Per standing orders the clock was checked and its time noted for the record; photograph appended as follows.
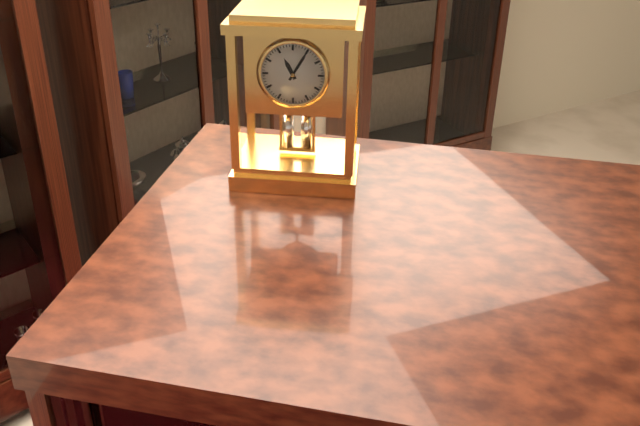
11:05
